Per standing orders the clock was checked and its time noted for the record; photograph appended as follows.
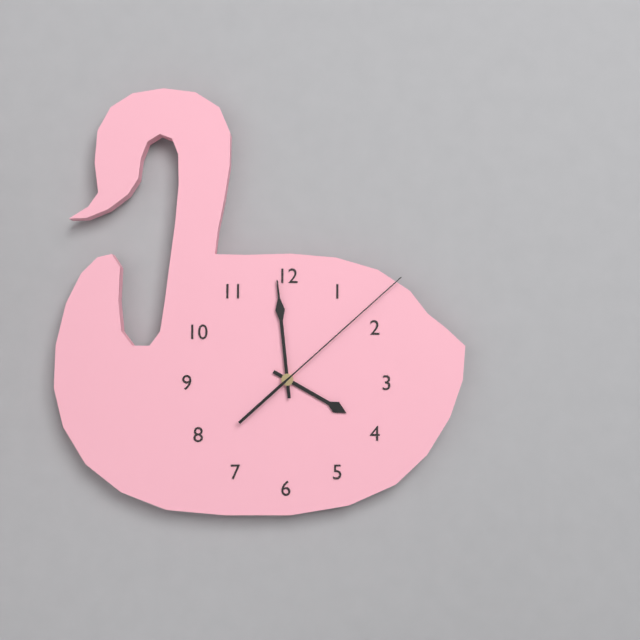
3:59:08
